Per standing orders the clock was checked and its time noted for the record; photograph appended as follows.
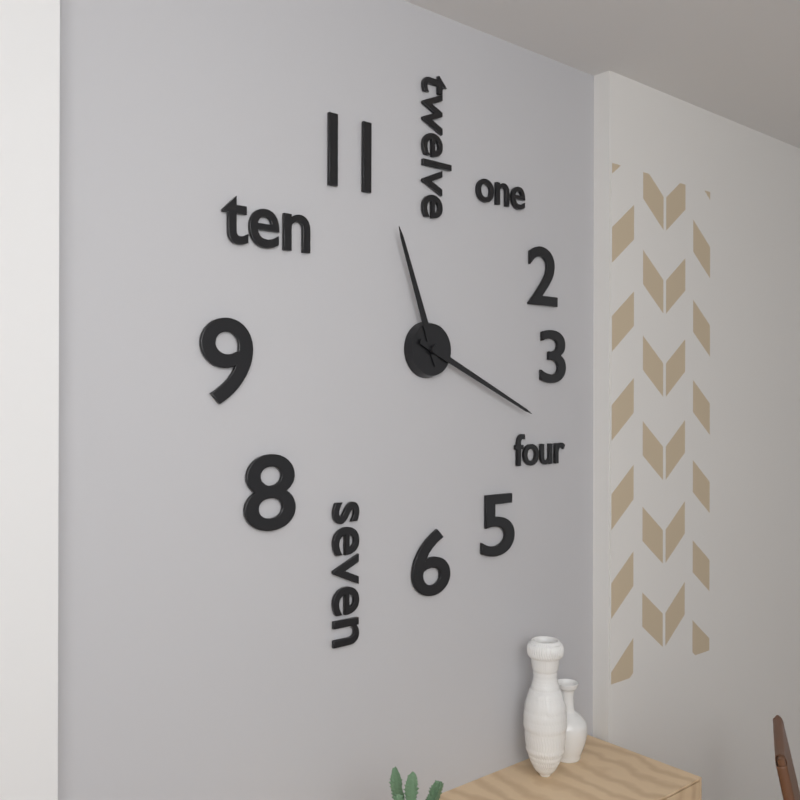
11:19
